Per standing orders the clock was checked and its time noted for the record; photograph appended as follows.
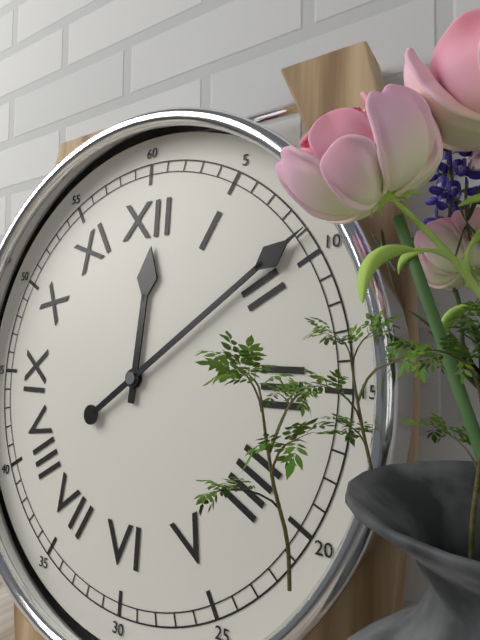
12:09
